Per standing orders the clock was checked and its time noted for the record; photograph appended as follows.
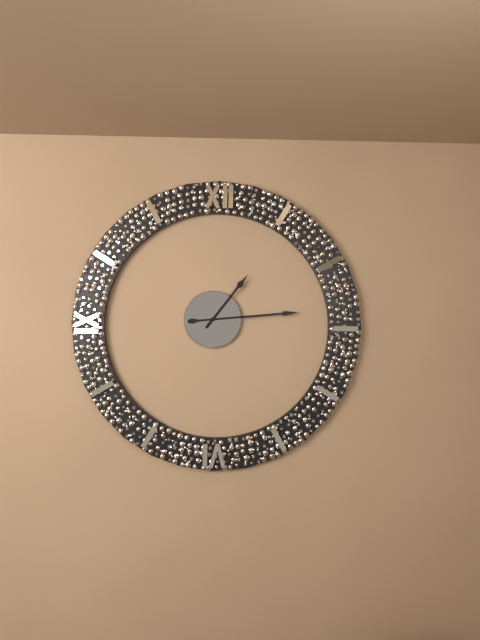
1:14
